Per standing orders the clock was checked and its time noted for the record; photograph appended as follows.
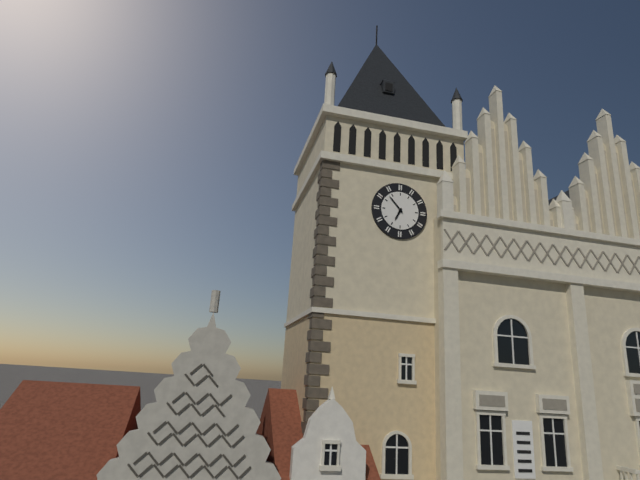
6:53
